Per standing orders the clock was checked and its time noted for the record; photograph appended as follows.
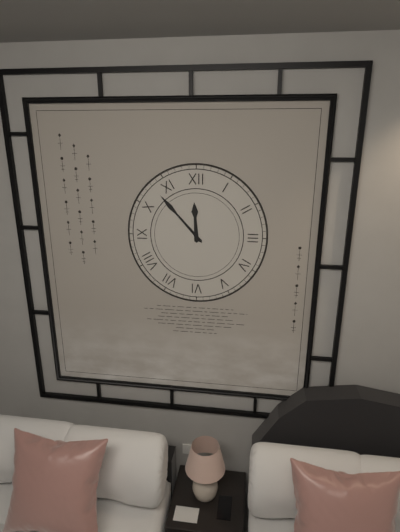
11:53
